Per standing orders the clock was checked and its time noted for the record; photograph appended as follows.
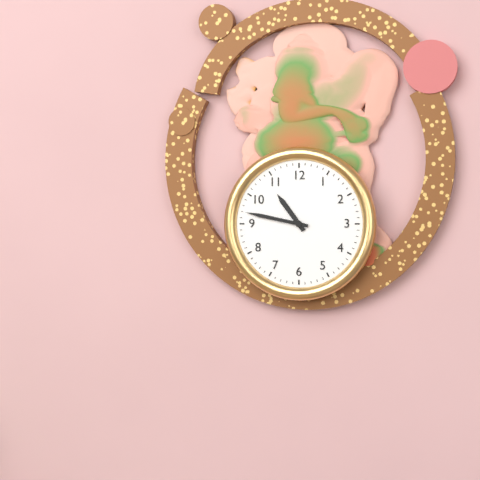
10:47
